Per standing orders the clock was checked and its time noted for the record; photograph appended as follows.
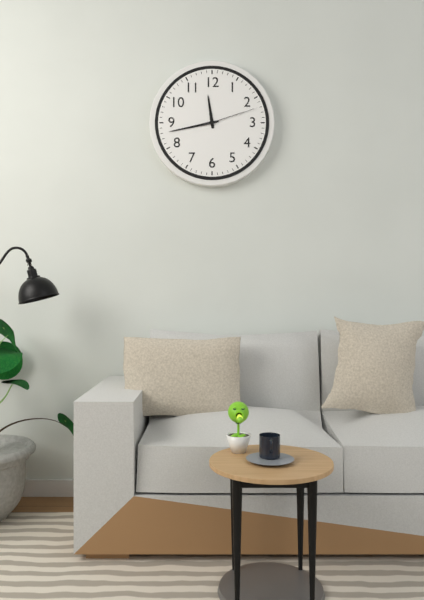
11:43:12
